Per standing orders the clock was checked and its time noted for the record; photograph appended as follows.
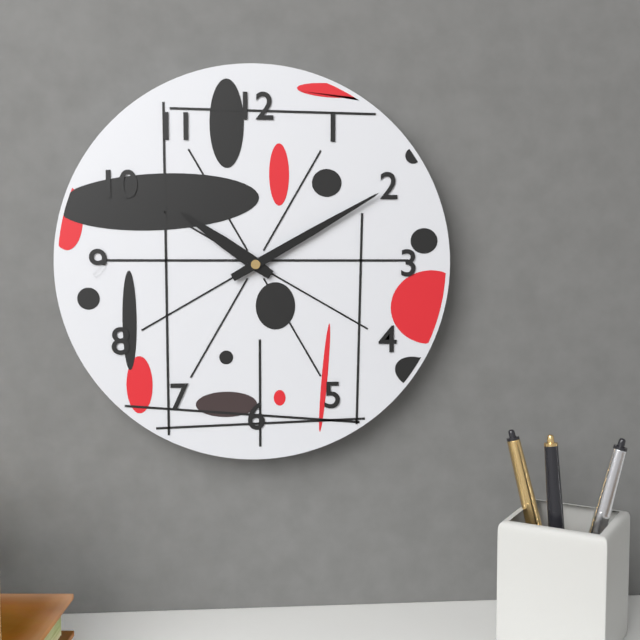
10:10
